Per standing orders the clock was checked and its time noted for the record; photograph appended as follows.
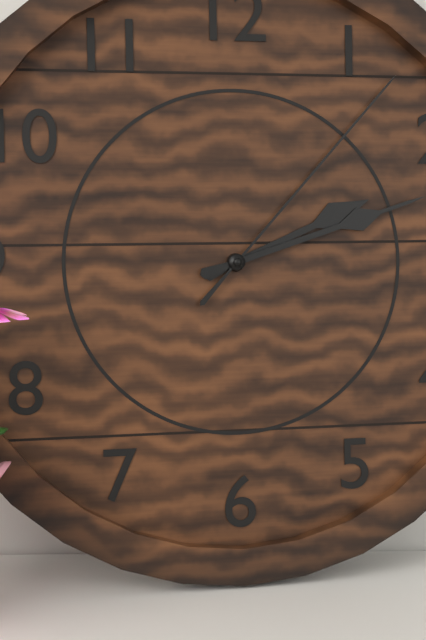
2:12:07
